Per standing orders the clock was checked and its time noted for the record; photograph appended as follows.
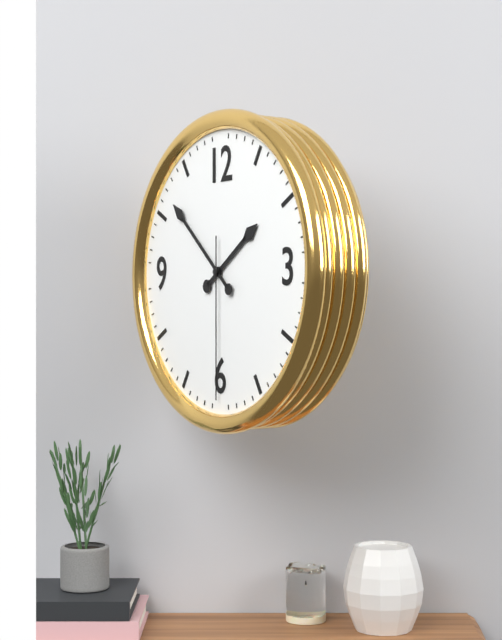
1:52:30
